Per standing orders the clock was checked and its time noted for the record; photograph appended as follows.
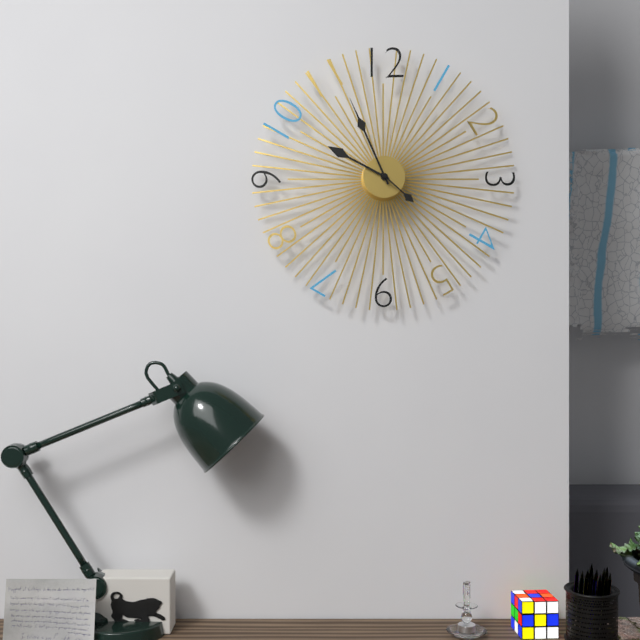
9:56
